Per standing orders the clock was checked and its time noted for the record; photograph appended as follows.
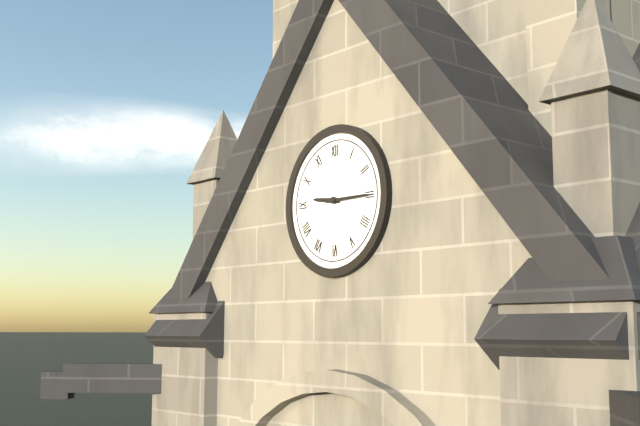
9:15
